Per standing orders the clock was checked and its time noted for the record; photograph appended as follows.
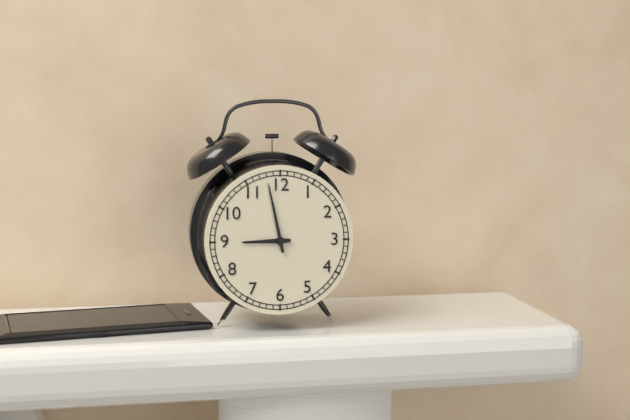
8:58
